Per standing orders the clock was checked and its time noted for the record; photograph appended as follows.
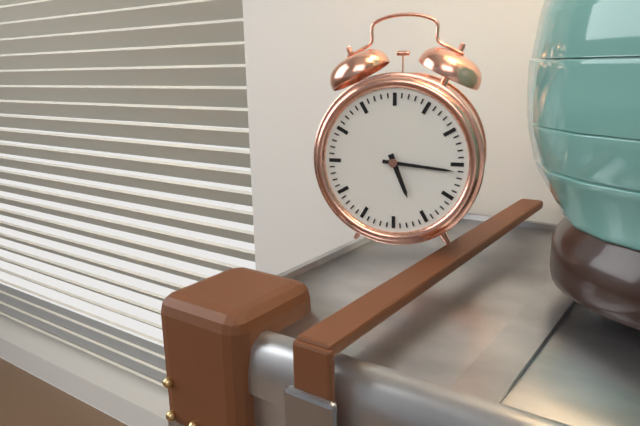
5:16
